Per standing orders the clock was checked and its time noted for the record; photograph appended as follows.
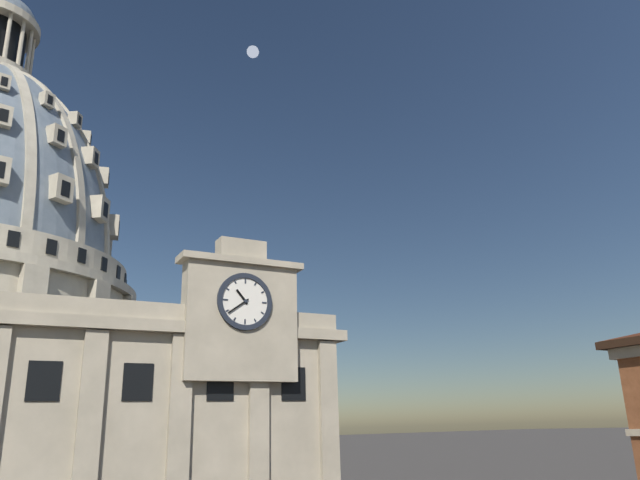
10:39
